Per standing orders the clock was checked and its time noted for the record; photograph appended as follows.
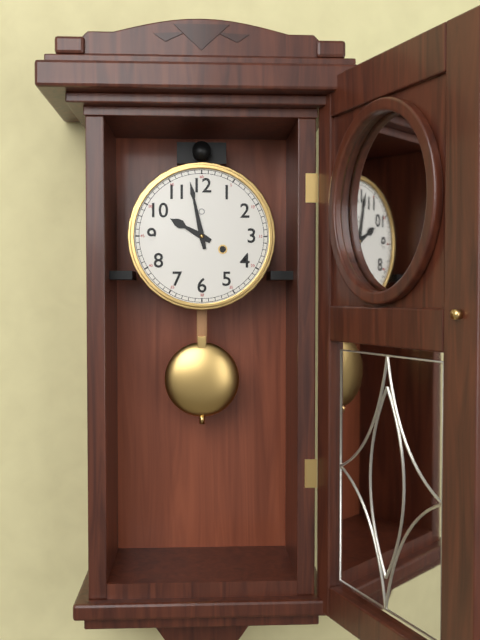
9:58
